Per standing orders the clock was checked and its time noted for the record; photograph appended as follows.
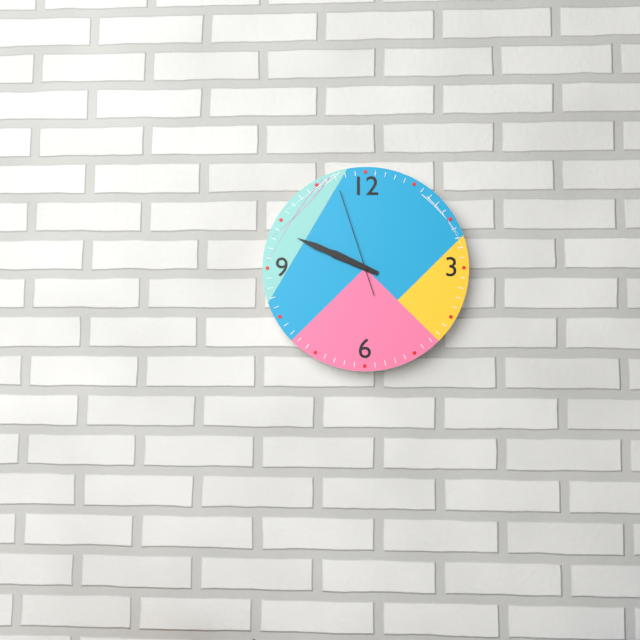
9:49:57
